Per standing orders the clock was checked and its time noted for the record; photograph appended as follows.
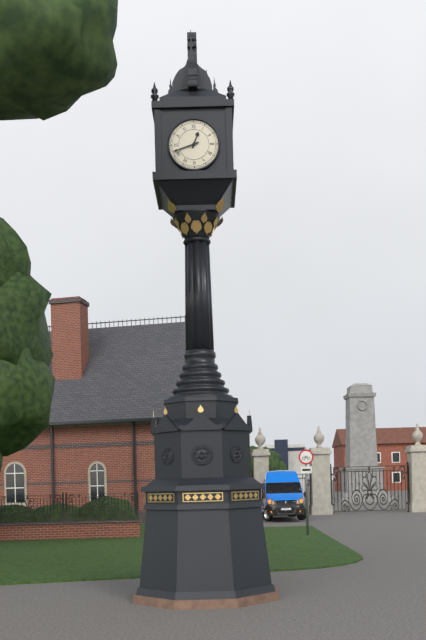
12:42
